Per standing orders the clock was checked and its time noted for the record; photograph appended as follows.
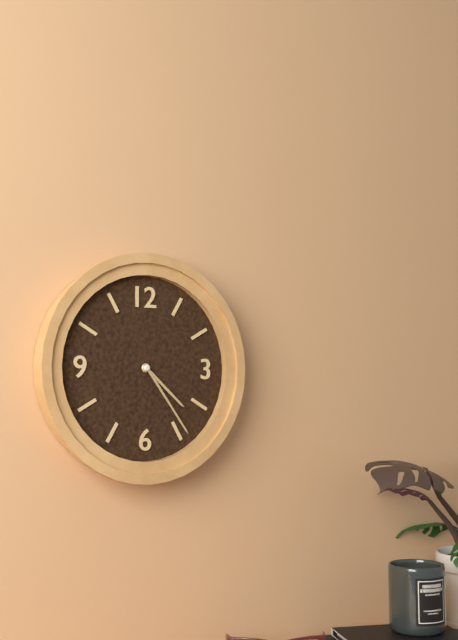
4:24
